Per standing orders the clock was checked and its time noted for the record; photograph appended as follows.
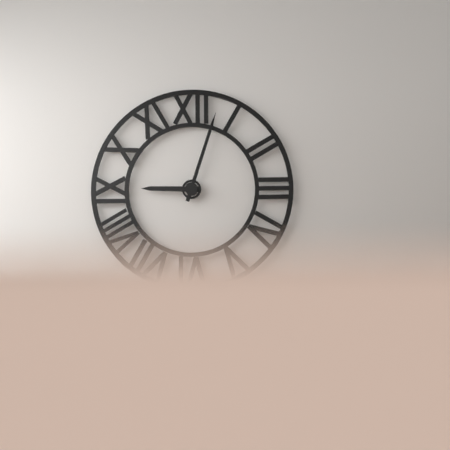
9:03
